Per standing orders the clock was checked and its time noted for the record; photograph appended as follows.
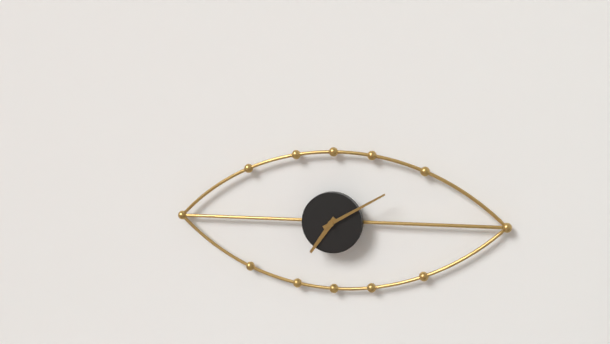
7:10
